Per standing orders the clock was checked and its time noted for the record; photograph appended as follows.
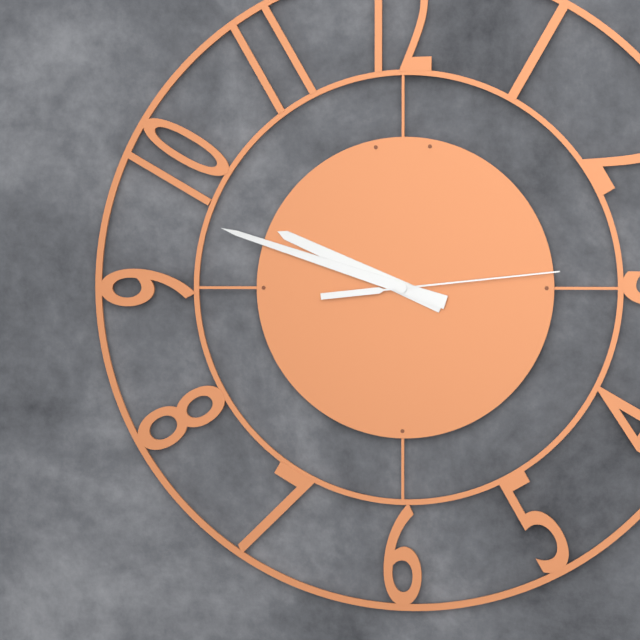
9:48:14
